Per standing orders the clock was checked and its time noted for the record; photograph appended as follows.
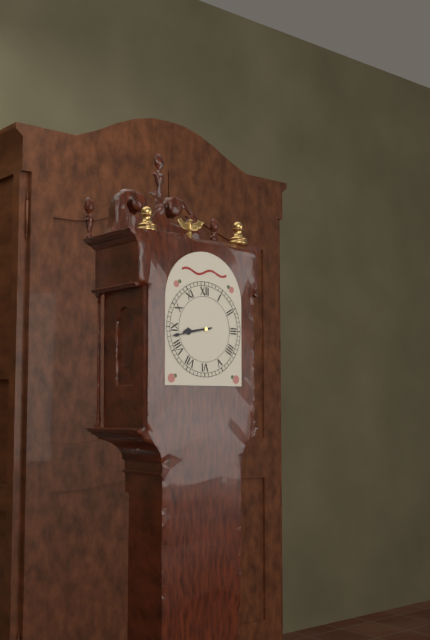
8:43
